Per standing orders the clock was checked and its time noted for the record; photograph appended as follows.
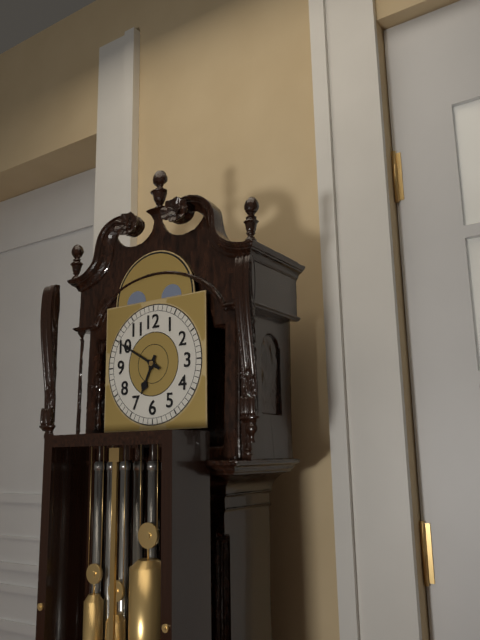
6:50
